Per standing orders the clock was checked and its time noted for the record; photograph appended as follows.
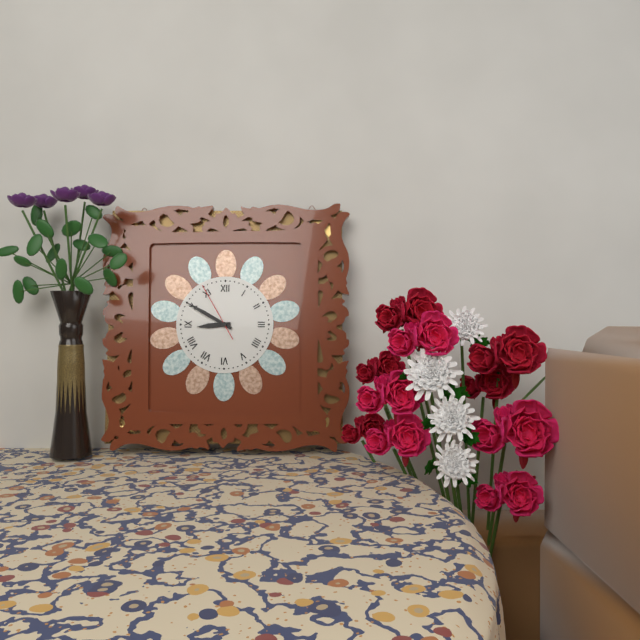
8:50:55
